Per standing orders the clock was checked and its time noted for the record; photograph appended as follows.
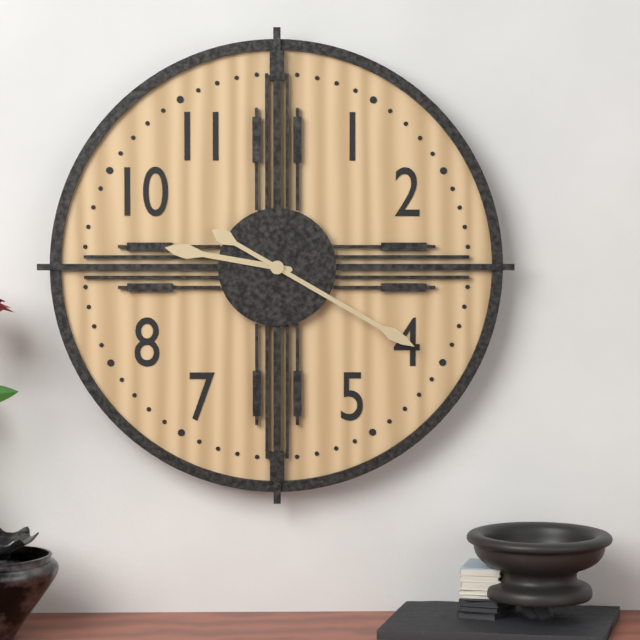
9:20
